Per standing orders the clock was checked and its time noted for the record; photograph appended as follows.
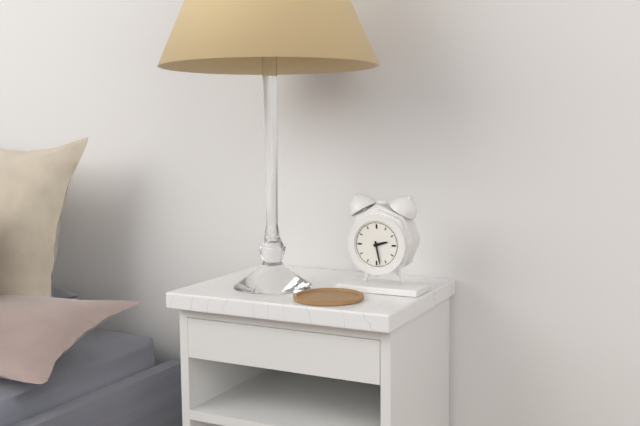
2:28
